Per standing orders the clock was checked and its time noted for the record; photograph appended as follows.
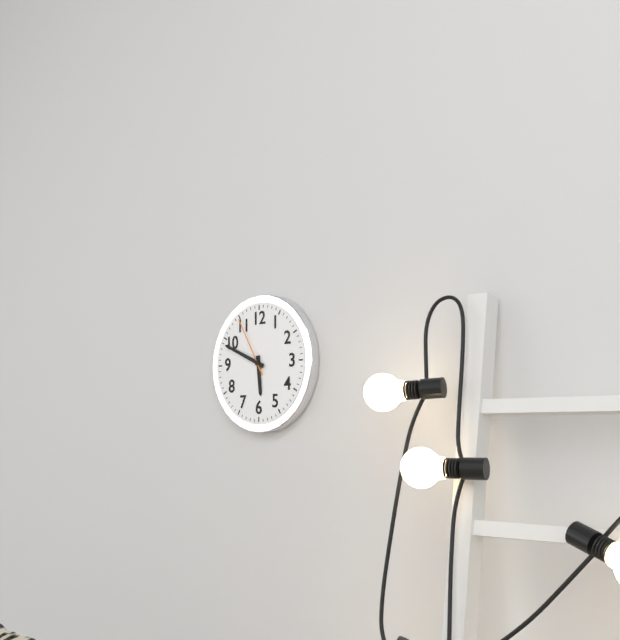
5:49:55
